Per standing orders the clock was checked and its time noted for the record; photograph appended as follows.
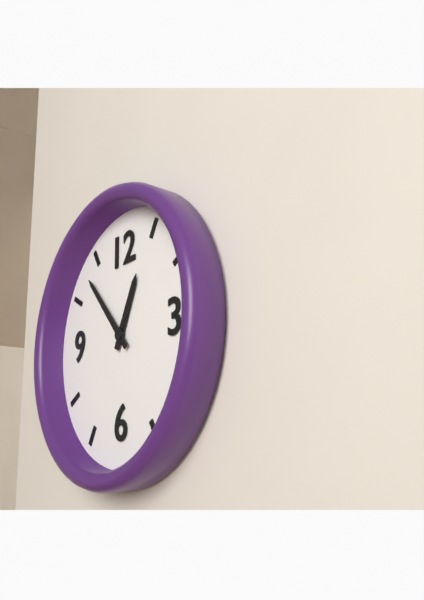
12:53
